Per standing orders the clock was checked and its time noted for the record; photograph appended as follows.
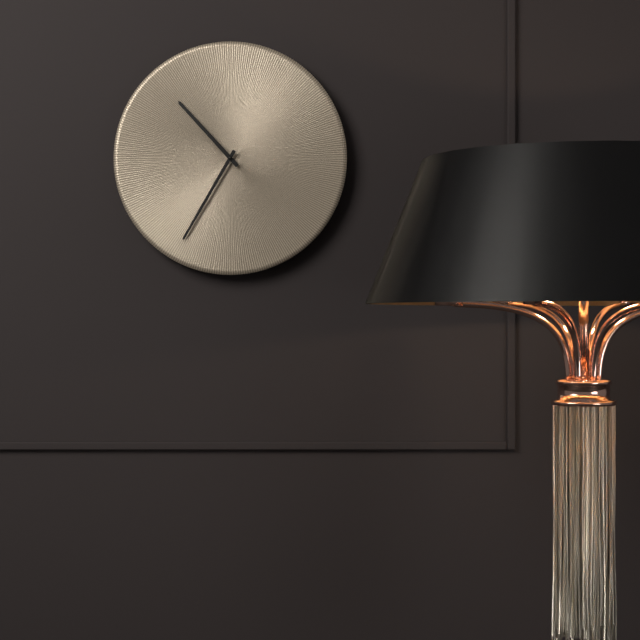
10:35
